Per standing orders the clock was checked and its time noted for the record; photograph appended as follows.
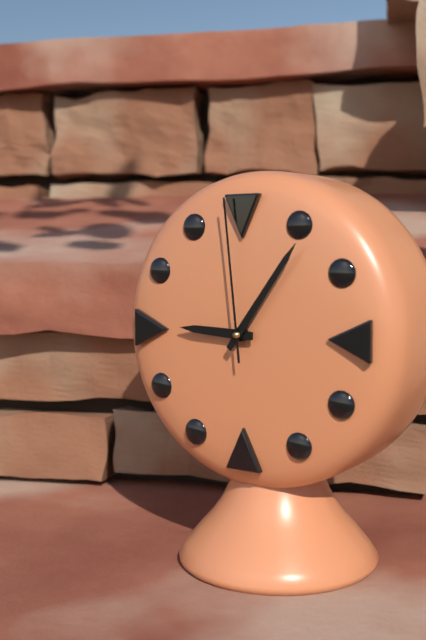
9:06:59
